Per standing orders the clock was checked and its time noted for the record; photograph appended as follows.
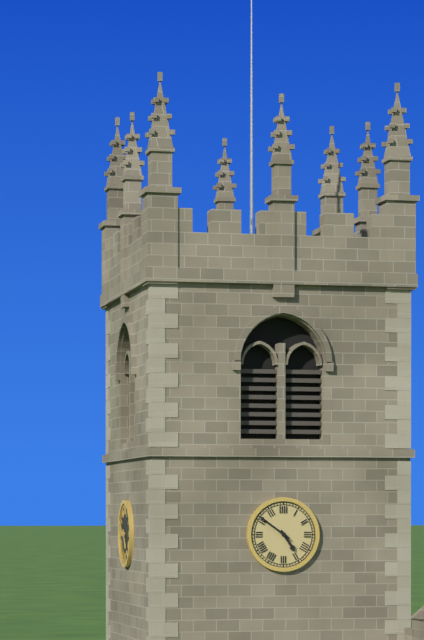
4:51
